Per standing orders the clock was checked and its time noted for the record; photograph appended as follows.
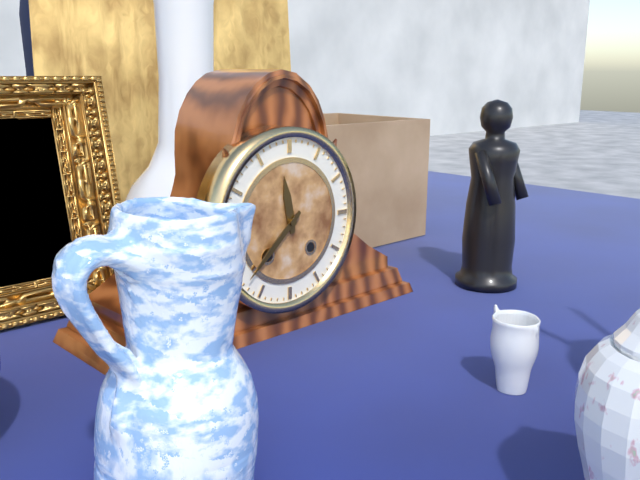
11:38
